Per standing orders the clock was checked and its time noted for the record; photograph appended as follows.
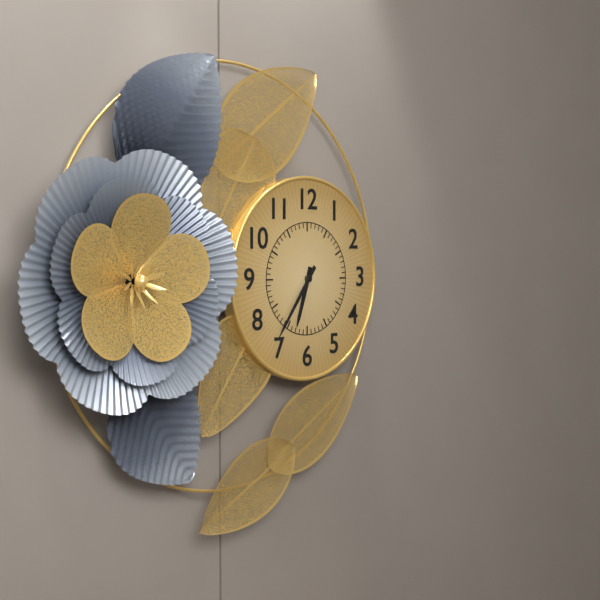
6:36
